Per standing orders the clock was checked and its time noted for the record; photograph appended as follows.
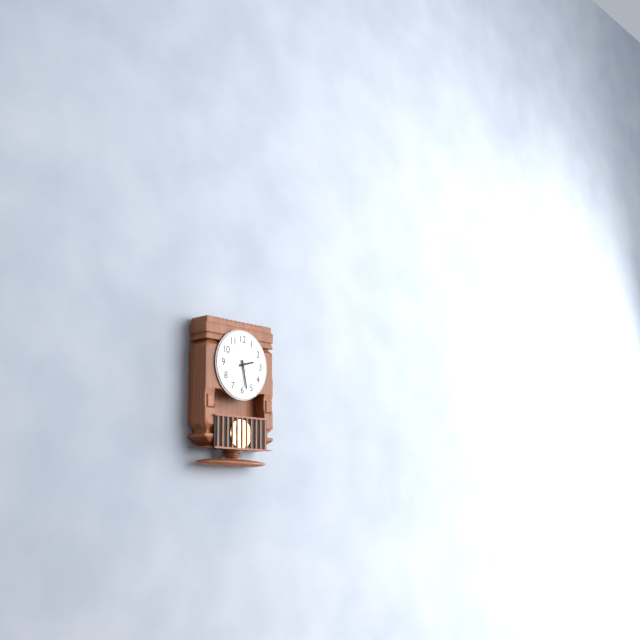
2:28
